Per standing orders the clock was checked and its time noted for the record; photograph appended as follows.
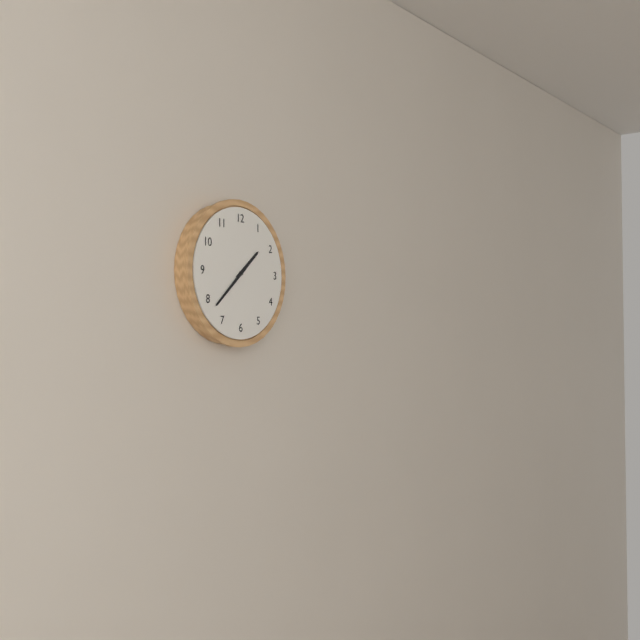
1:38
